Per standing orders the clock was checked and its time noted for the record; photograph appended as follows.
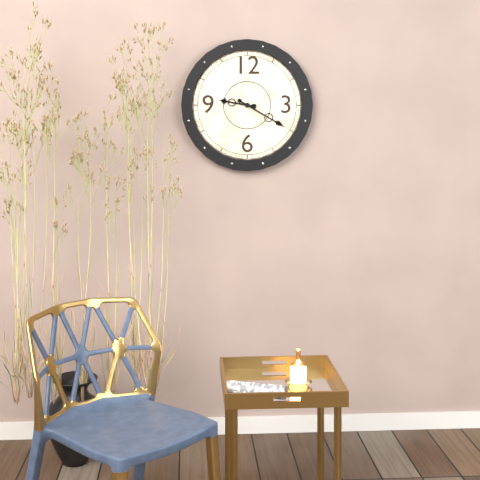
9:20
